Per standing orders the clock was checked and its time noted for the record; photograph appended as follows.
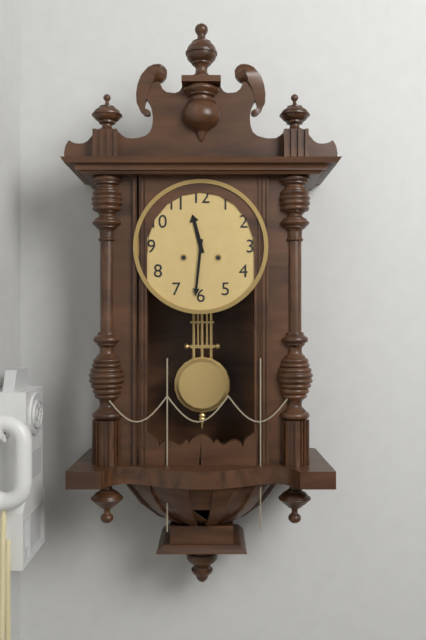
11:31
